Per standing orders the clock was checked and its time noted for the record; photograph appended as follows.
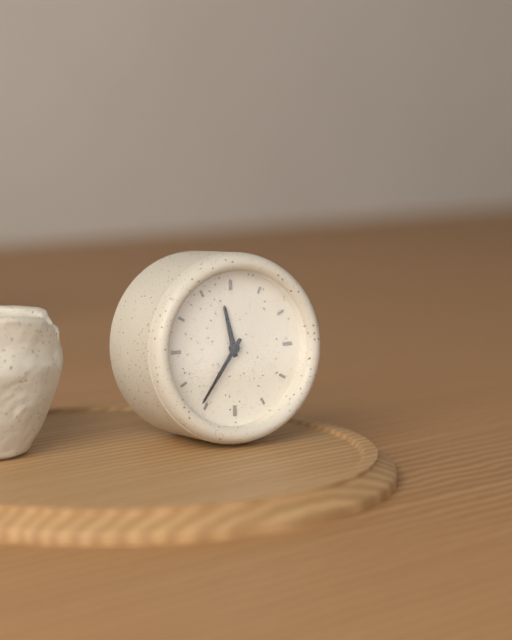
11:36
